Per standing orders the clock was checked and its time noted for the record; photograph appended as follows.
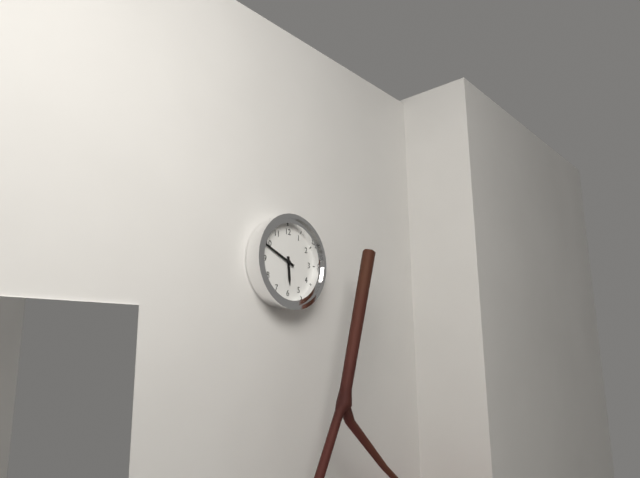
5:49
